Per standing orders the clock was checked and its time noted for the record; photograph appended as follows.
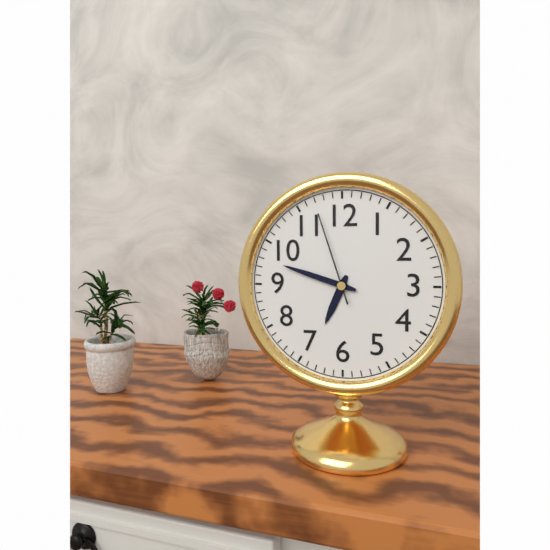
6:48:57
